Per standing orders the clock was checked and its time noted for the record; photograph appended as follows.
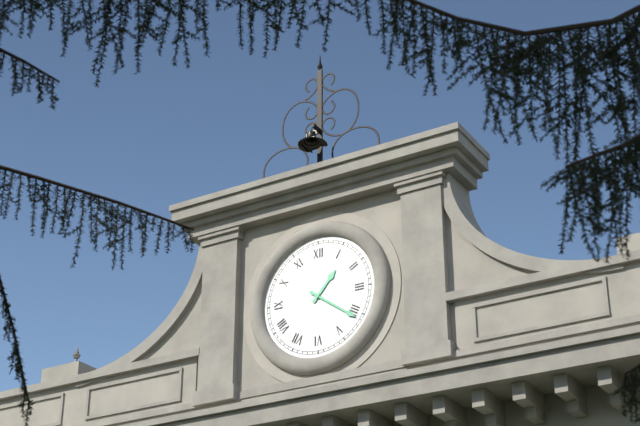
1:21
